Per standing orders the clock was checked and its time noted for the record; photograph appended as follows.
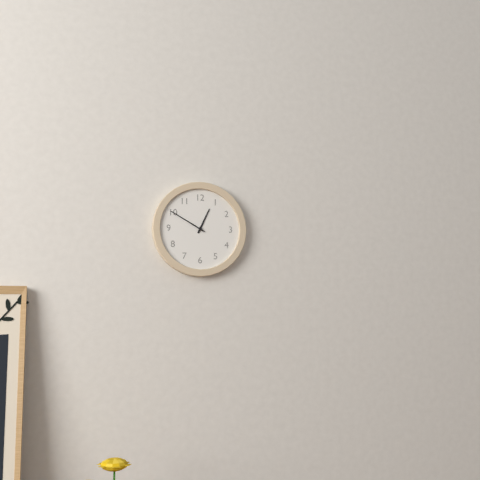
12:50
